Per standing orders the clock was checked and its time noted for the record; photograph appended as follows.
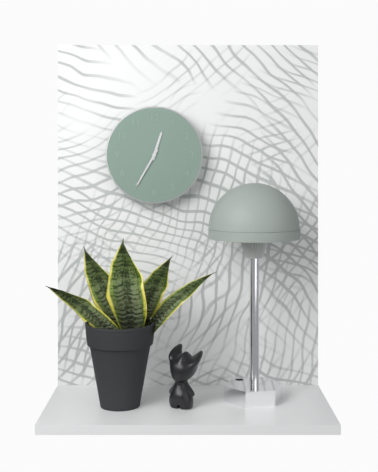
12:35
